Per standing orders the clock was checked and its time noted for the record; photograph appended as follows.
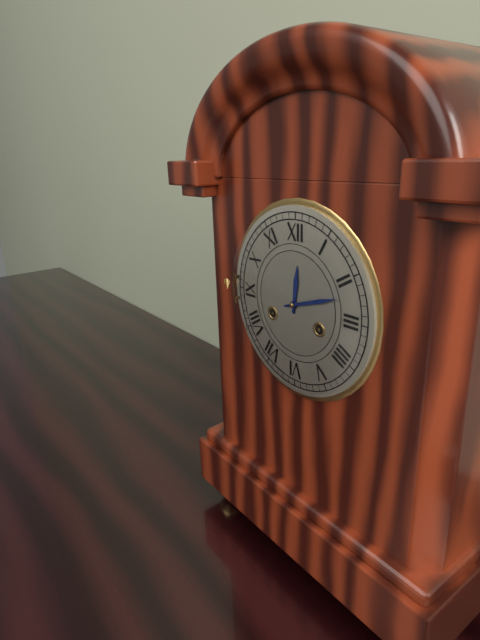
12:12
